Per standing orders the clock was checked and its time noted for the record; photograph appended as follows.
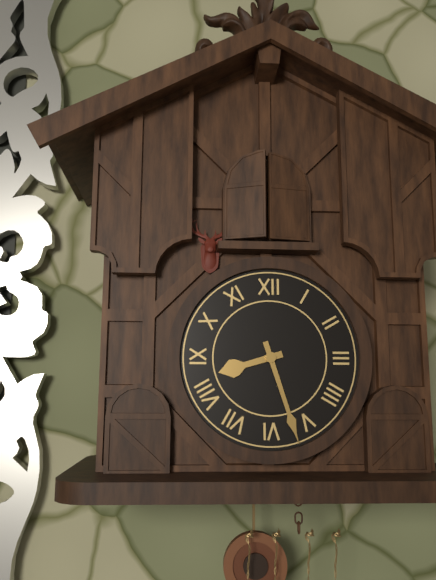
8:27
